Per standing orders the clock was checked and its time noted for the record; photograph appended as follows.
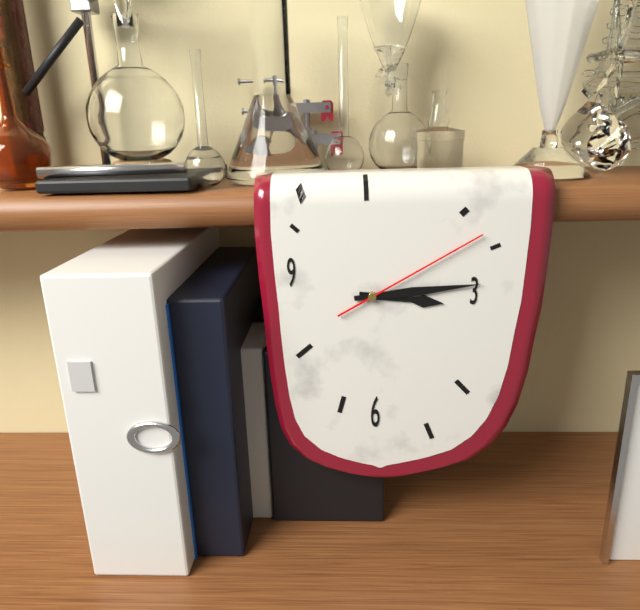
3:14:10
